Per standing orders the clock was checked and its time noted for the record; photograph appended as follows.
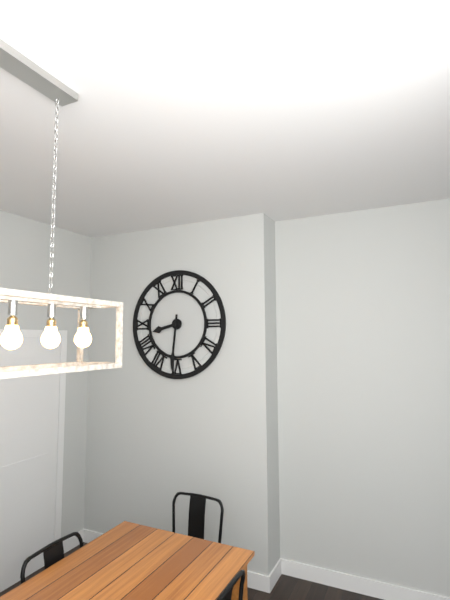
8:31
